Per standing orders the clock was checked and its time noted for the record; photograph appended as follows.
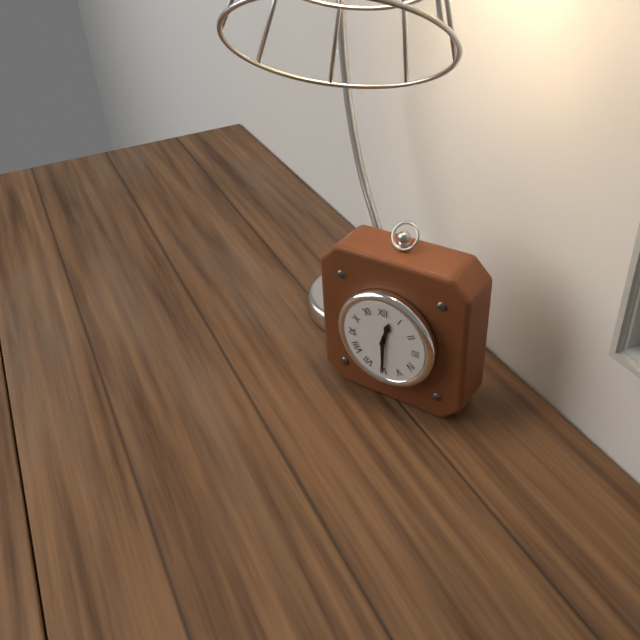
12:30
